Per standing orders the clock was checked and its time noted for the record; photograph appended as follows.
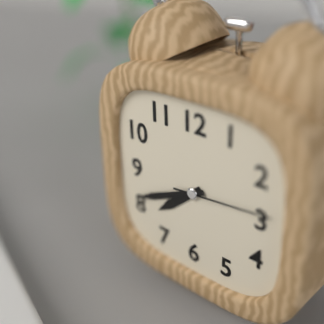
7:41:14
